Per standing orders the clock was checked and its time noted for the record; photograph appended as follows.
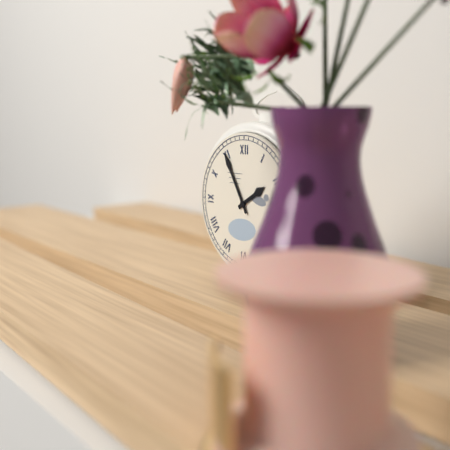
1:55
